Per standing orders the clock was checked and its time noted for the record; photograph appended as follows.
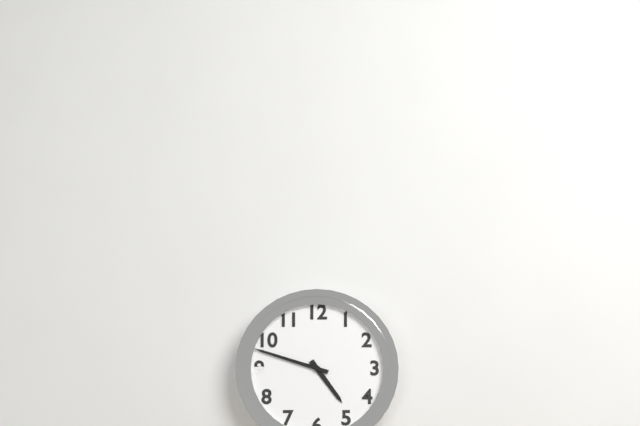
4:48
